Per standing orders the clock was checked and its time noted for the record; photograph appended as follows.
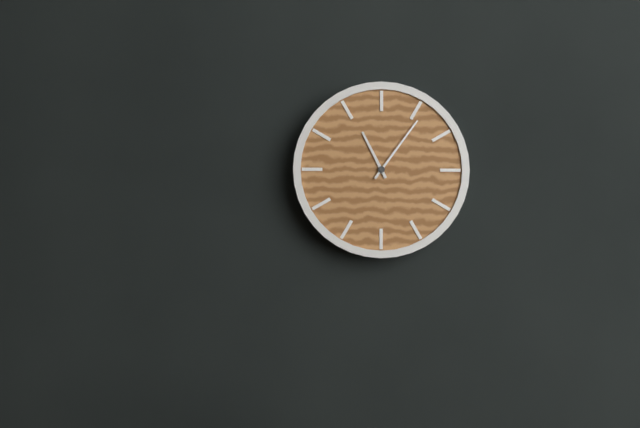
11:06
